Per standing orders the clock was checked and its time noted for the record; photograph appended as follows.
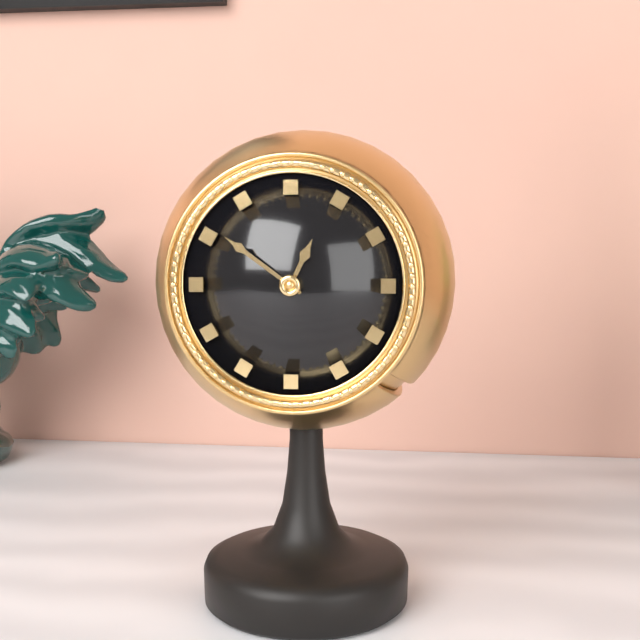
12:51
